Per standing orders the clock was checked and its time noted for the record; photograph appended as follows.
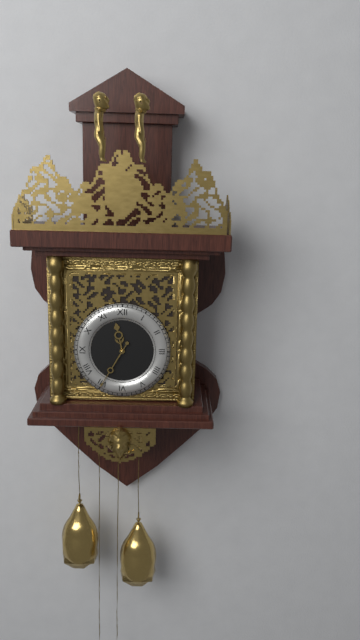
11:35
